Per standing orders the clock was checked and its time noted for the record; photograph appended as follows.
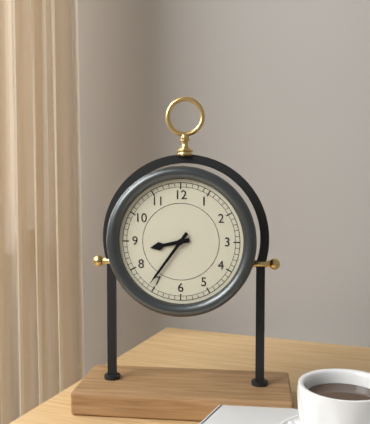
8:36
